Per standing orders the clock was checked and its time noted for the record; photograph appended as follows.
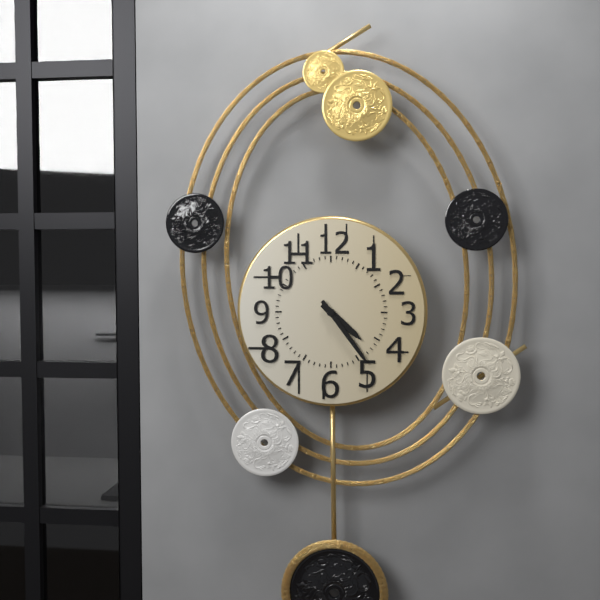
4:24
